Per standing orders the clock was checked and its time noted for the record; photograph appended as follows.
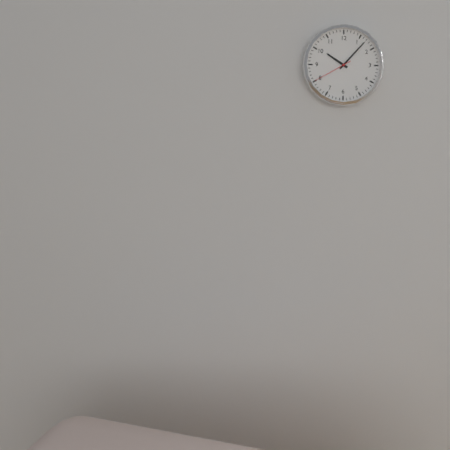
10:07
